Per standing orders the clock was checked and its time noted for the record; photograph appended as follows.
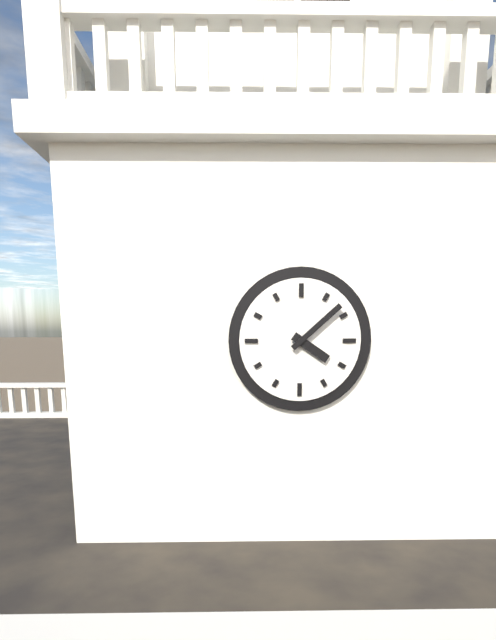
4:08
